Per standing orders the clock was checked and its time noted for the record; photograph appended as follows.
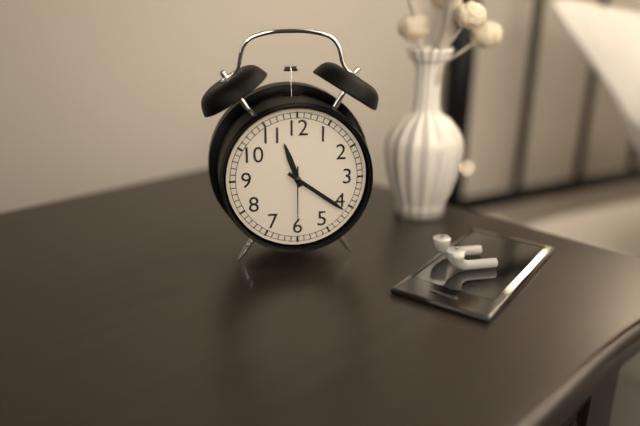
11:21:30
